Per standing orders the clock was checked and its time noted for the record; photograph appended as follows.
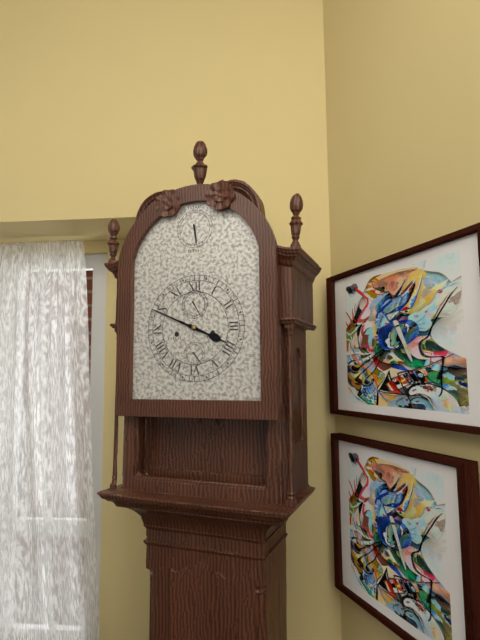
3:49
